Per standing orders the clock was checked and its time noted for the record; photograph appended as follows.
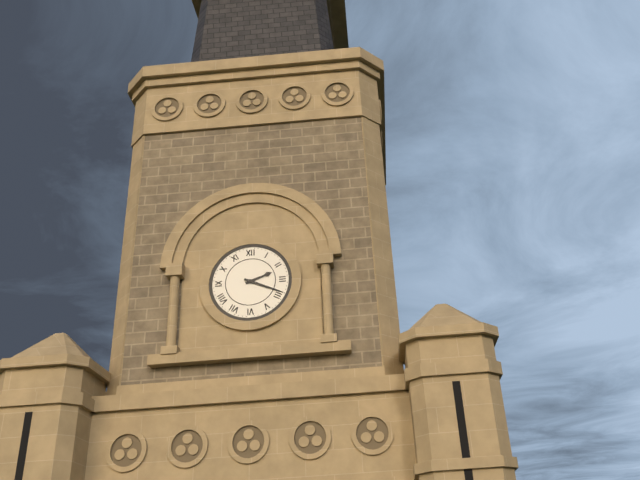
2:19
